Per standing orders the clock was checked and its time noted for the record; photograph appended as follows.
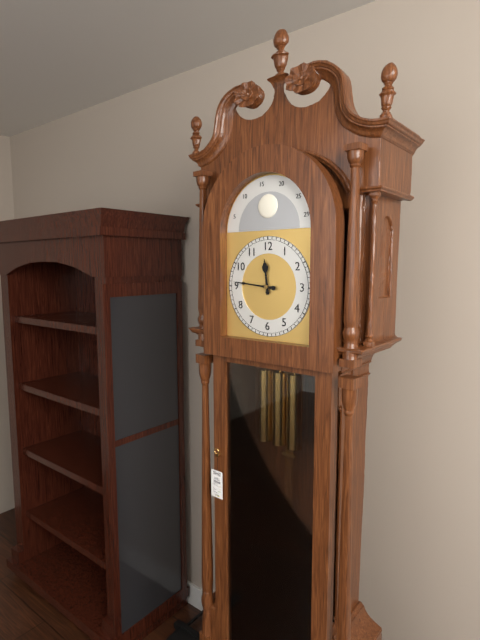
11:46
